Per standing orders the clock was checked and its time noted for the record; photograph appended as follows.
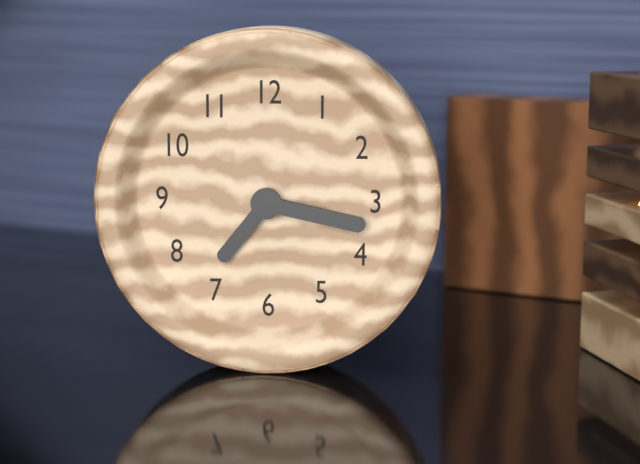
7:17
